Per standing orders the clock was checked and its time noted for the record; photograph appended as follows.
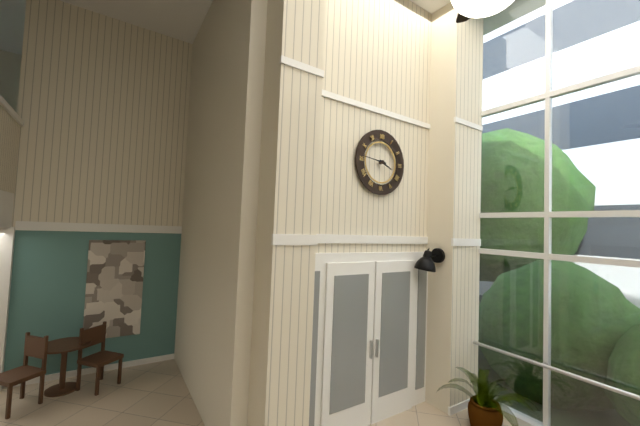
3:46
